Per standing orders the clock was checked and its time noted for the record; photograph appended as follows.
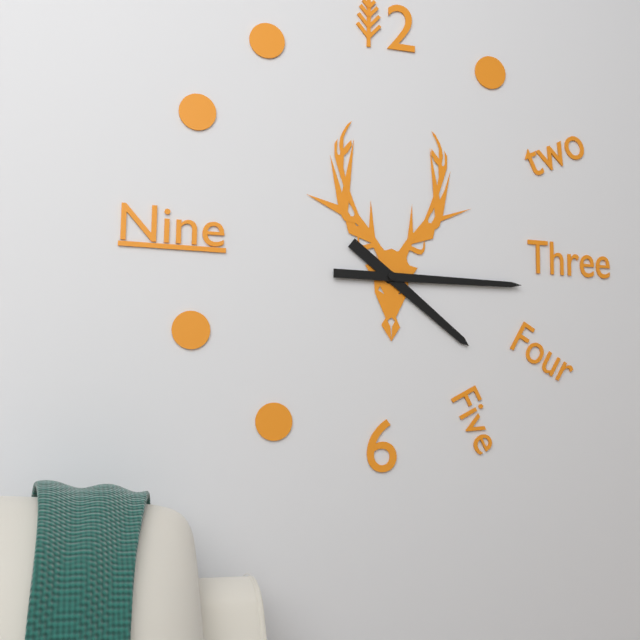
4:15
